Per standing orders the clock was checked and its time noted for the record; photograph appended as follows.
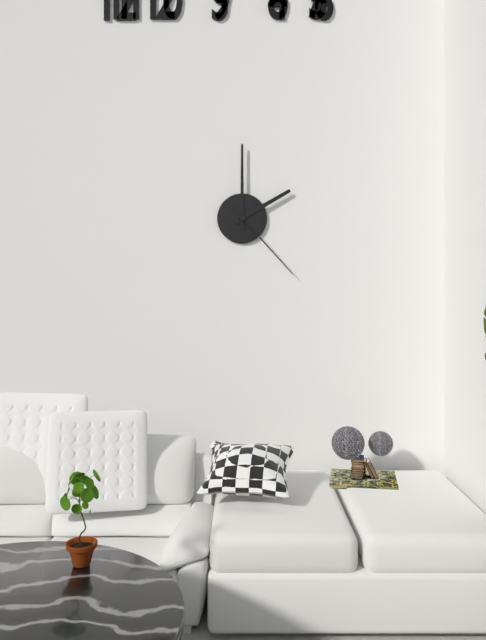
2:00:23
